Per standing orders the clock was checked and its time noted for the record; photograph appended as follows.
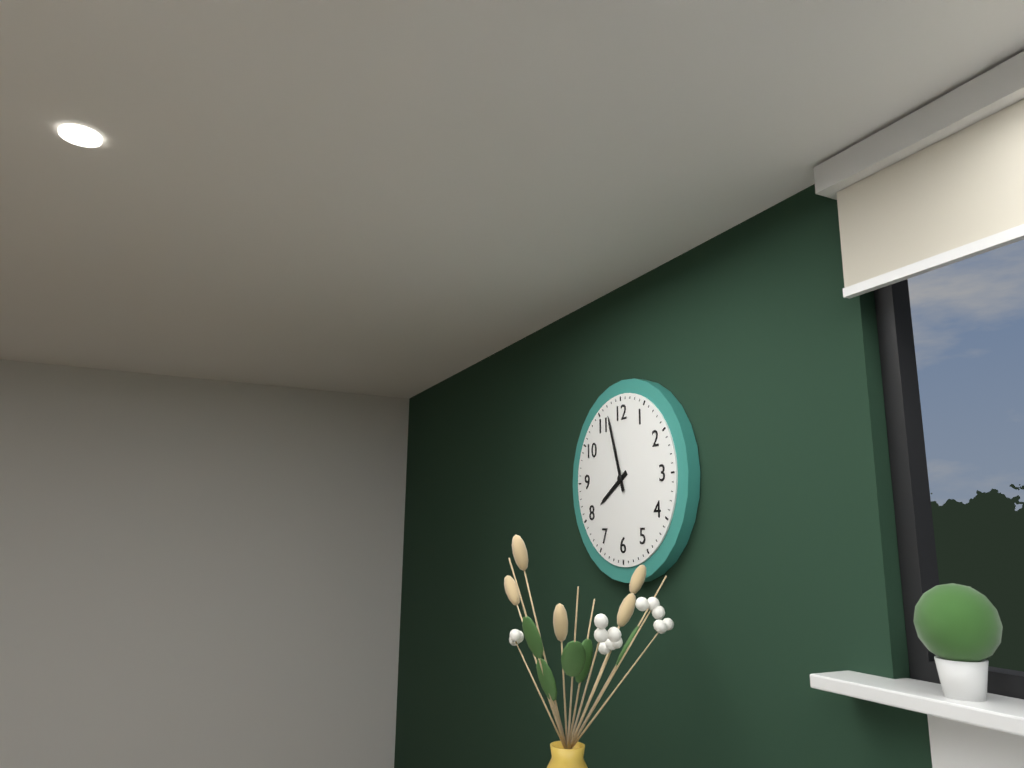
7:57
